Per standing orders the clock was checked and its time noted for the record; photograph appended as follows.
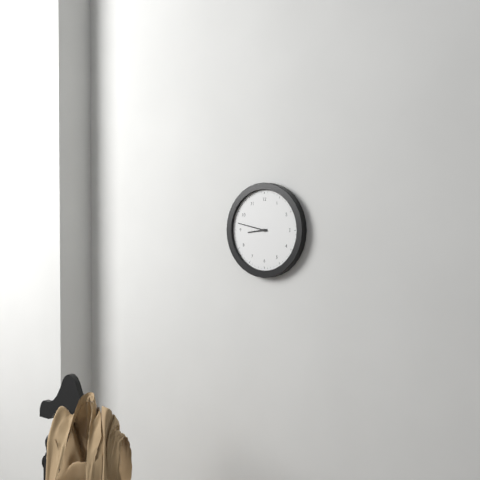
8:47
